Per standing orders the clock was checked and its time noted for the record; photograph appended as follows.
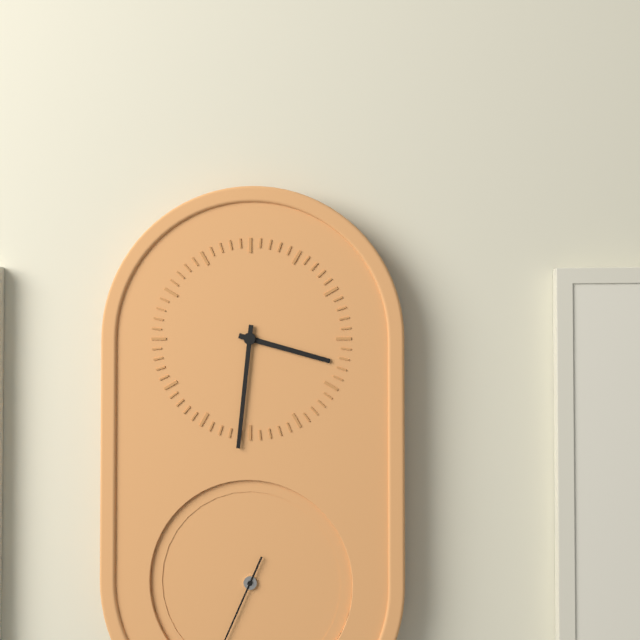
3:31
